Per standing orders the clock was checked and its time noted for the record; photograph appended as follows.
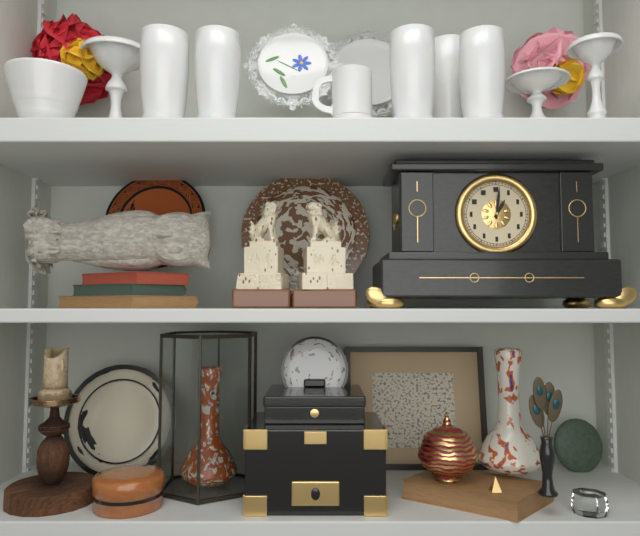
1:01
